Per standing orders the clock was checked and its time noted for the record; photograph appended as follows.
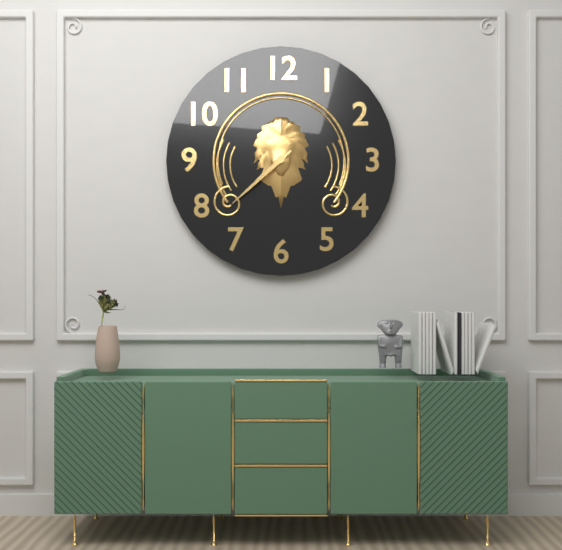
7:38
